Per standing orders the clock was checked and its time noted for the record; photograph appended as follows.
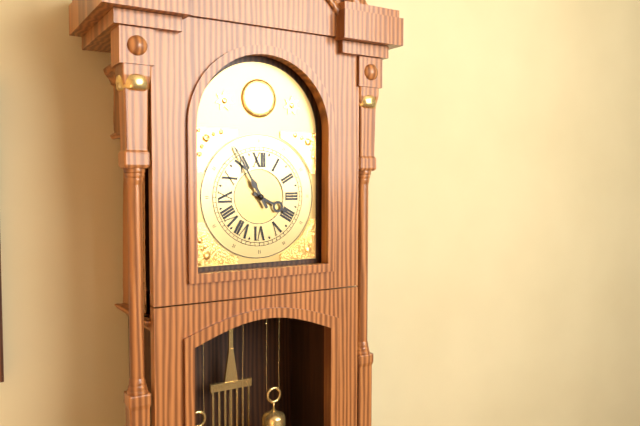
3:55
